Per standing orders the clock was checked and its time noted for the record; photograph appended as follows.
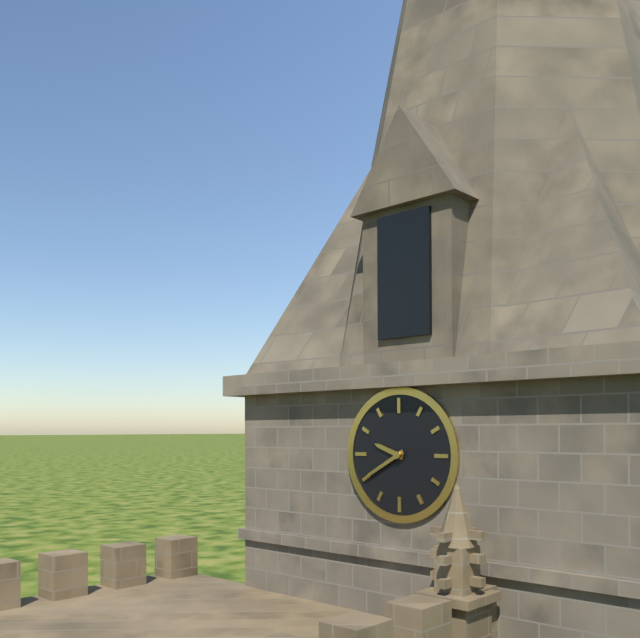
9:40
